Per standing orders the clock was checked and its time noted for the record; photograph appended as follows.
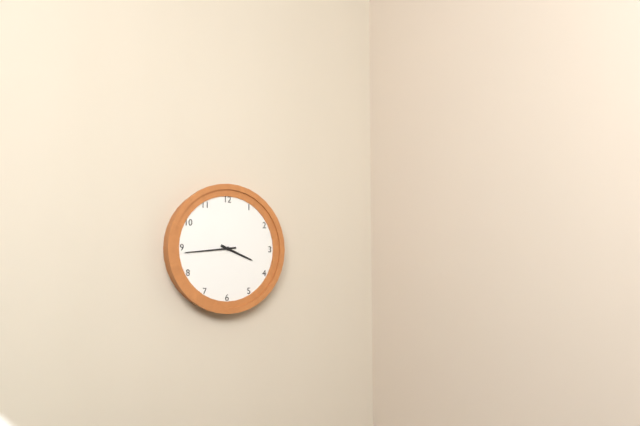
3:44
